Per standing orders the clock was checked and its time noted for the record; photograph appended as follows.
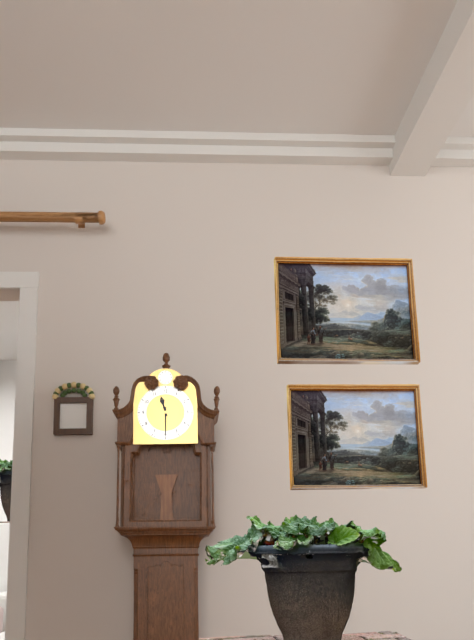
11:30
